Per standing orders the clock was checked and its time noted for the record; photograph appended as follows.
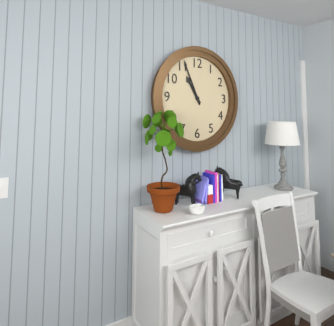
10:56
